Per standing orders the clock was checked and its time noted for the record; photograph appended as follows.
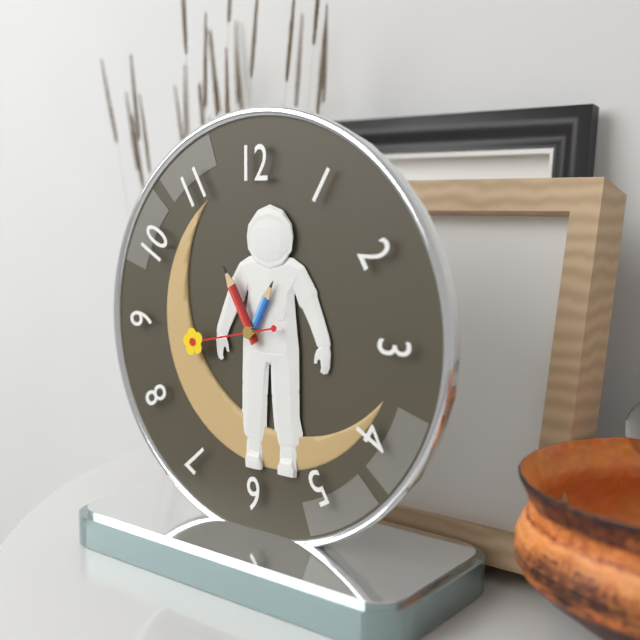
12:55:43
